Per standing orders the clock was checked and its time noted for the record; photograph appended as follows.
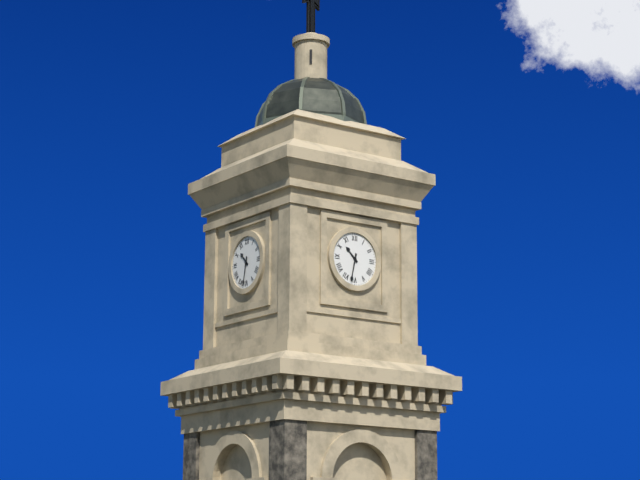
10:32
